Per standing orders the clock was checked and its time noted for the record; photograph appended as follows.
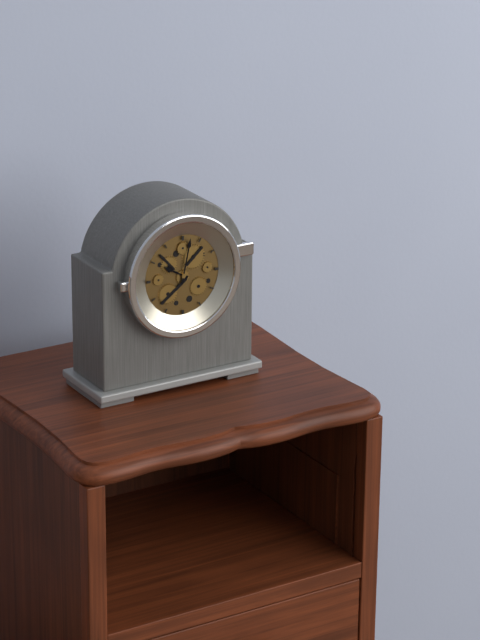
10:02
